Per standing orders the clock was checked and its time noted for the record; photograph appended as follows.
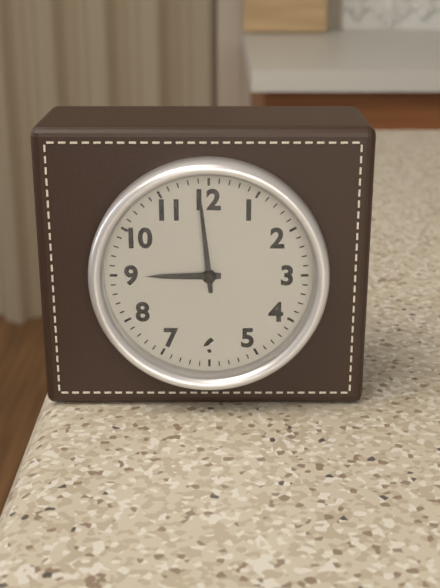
8:59
